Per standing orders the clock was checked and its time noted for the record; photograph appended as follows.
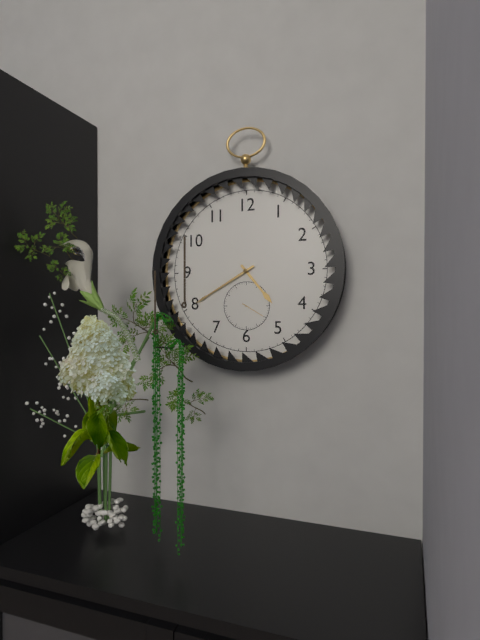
4:40
